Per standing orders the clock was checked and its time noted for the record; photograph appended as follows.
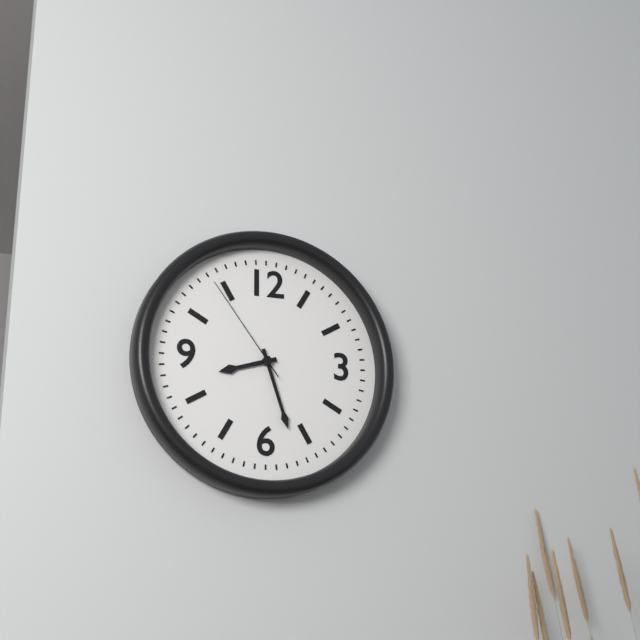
8:27:54
